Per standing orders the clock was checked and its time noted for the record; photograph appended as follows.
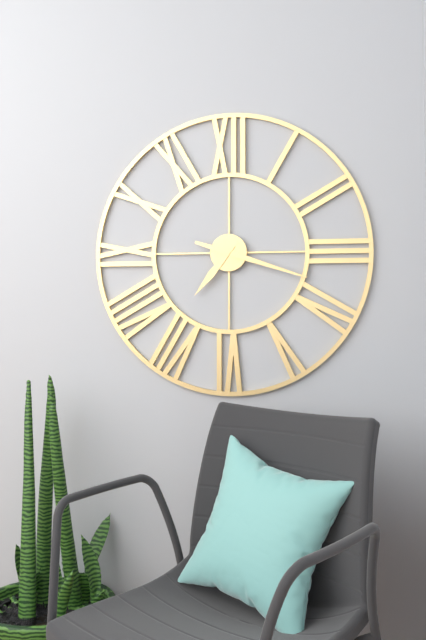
7:18
